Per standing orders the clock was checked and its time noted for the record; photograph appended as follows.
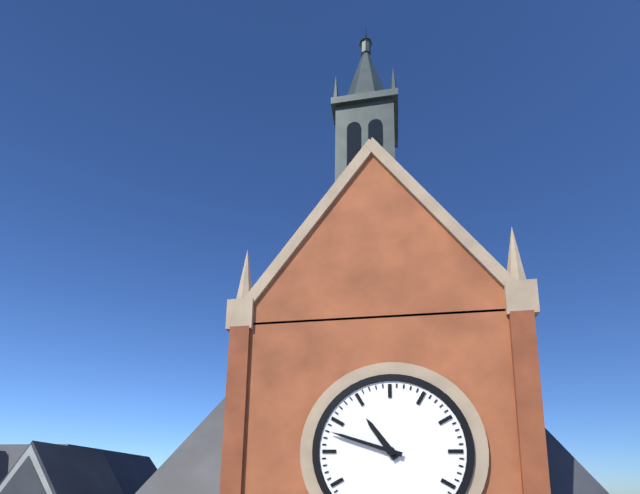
10:48
